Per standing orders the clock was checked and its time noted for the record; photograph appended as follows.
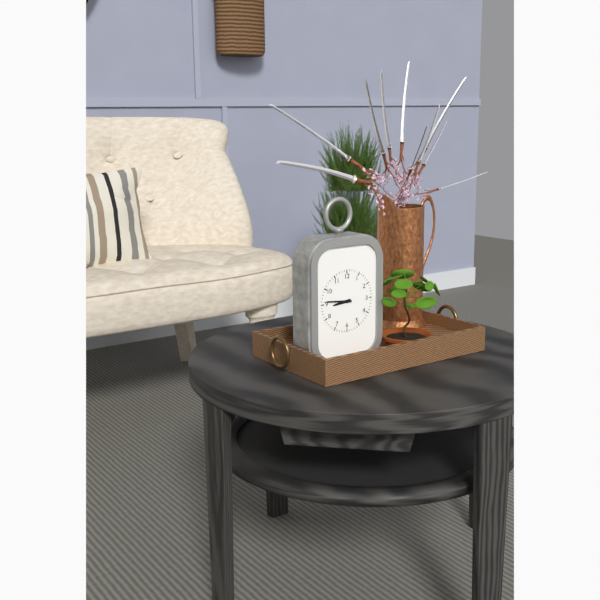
8:46
